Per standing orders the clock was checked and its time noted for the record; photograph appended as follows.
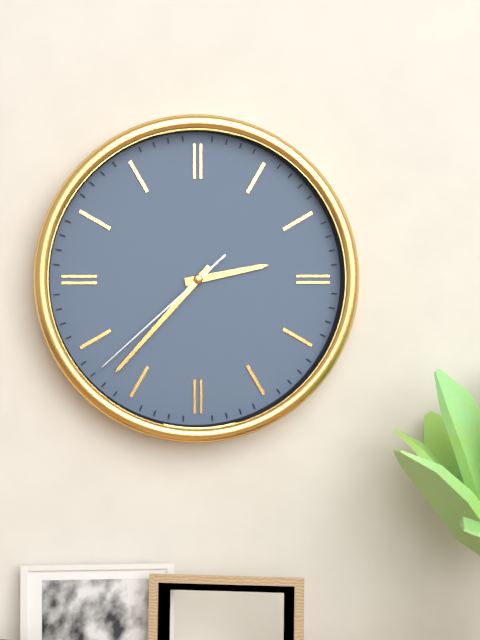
2:37:38
